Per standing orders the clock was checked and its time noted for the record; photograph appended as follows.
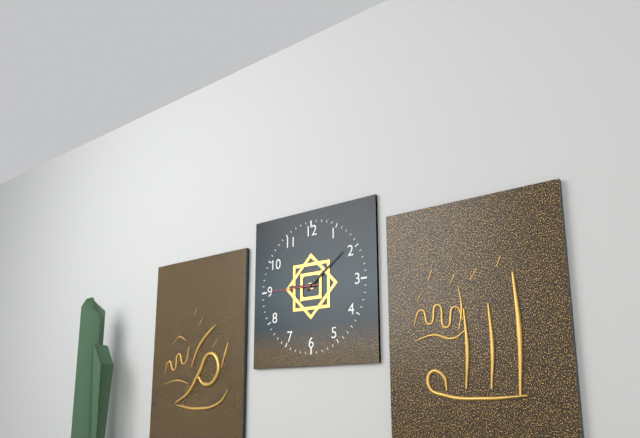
9:09:45
